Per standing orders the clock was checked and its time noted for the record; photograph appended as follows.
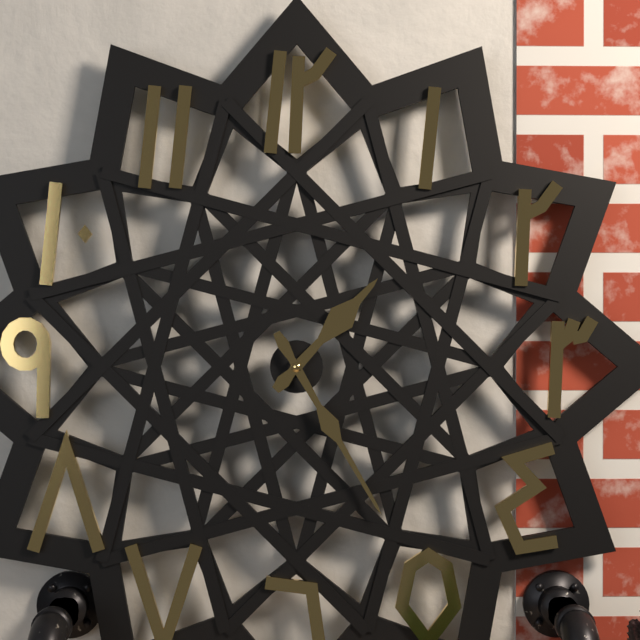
1:25
